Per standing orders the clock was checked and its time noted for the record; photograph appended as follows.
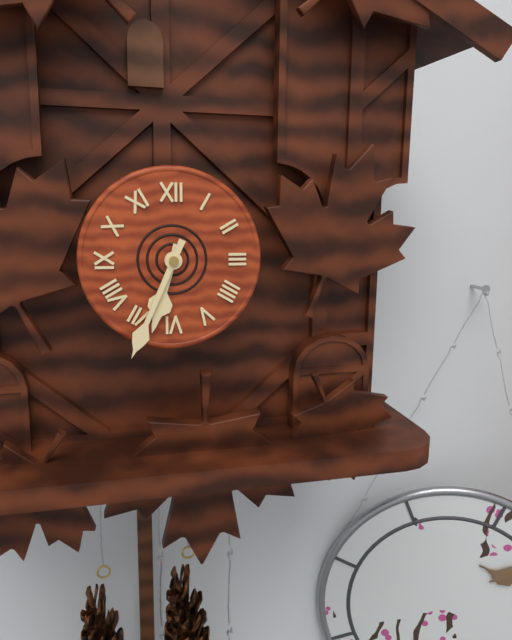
6:34
